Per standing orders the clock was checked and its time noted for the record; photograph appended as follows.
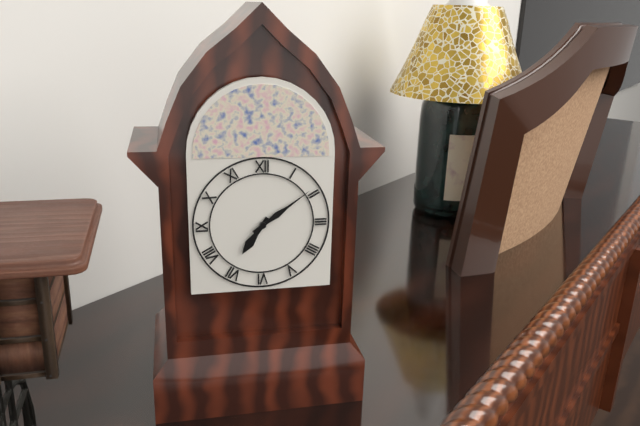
7:09
